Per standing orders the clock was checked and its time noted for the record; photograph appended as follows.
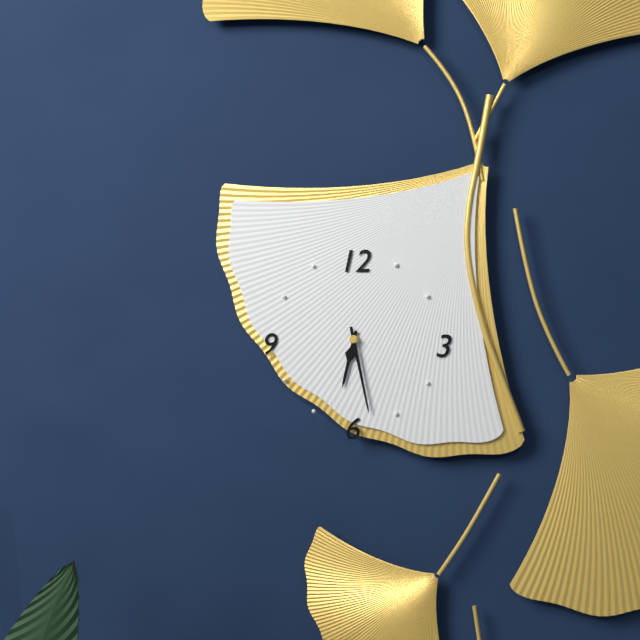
6:28
